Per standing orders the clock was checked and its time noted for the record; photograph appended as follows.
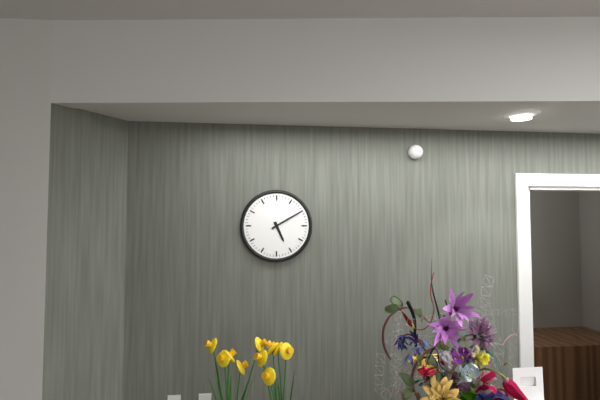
5:10
